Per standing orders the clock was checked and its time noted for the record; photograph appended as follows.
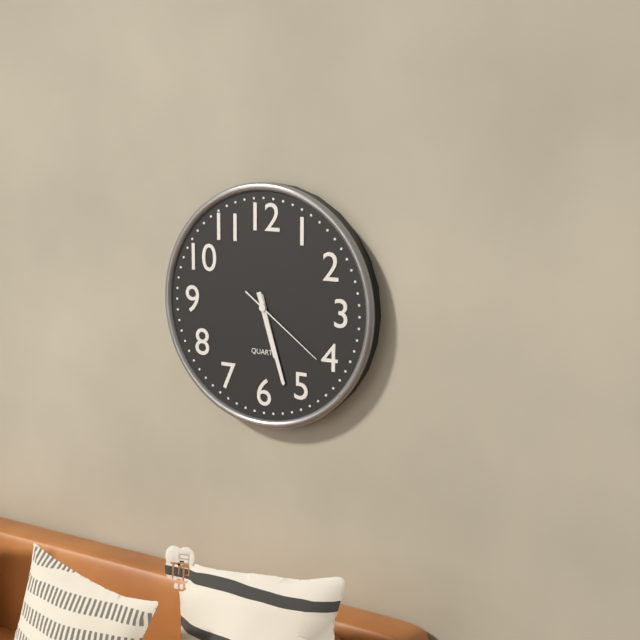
5:27:21
